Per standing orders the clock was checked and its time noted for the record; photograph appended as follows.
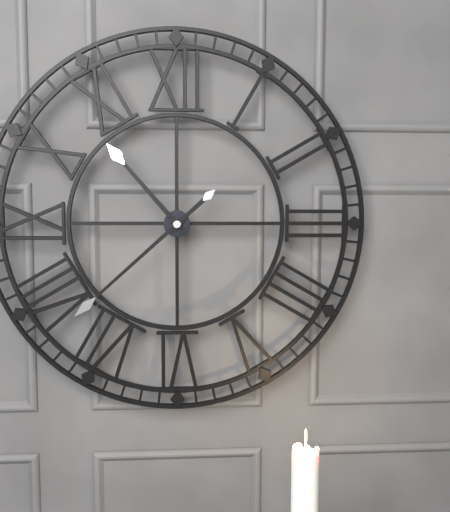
10:38
